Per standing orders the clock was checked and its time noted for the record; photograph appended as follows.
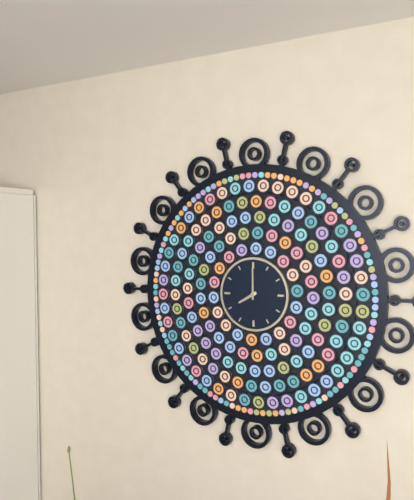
8:00
